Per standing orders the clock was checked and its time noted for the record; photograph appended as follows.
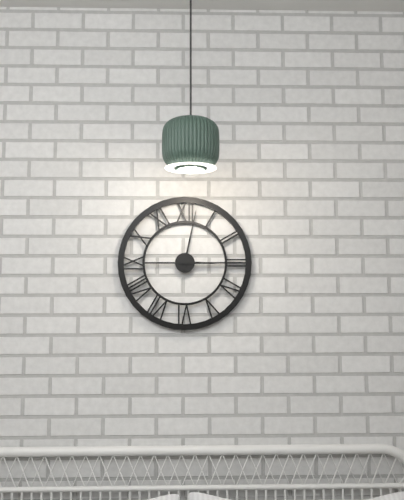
3:02
